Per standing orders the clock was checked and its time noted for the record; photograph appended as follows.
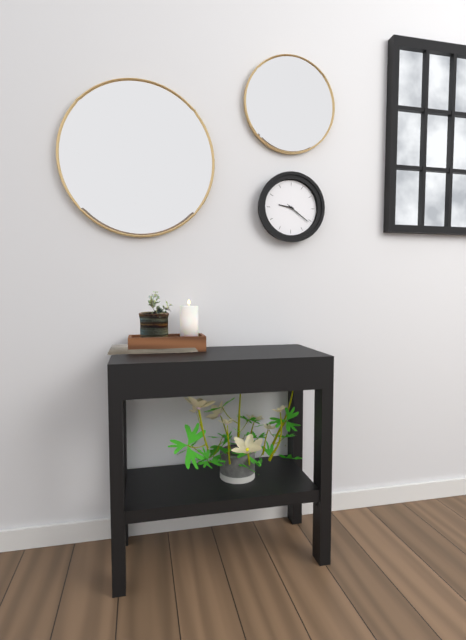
9:21
